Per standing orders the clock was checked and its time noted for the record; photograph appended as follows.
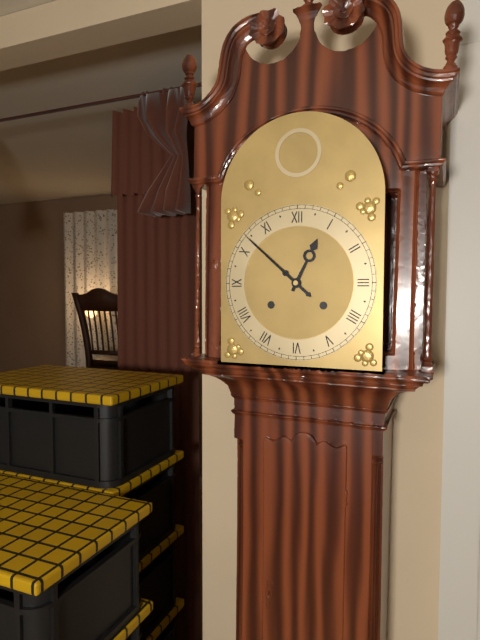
12:52
